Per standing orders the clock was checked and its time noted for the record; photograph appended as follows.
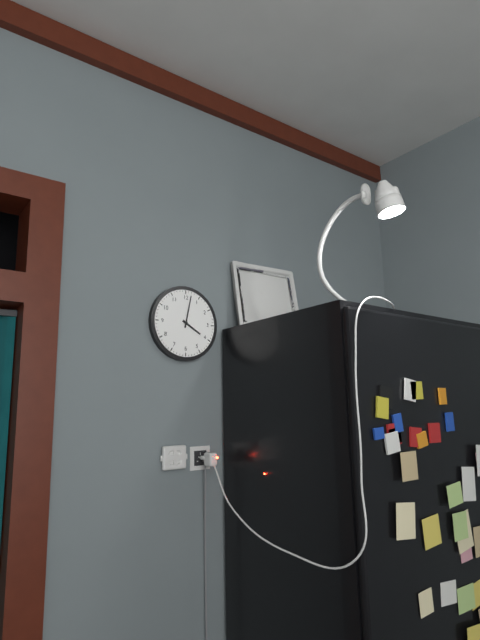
4:02
